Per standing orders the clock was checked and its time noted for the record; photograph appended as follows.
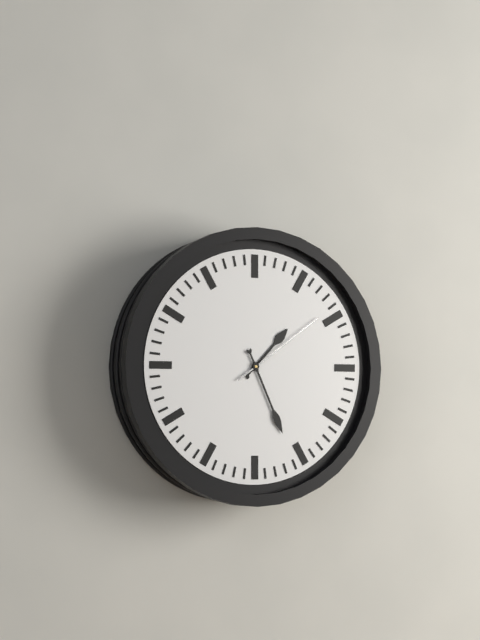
1:26:09
